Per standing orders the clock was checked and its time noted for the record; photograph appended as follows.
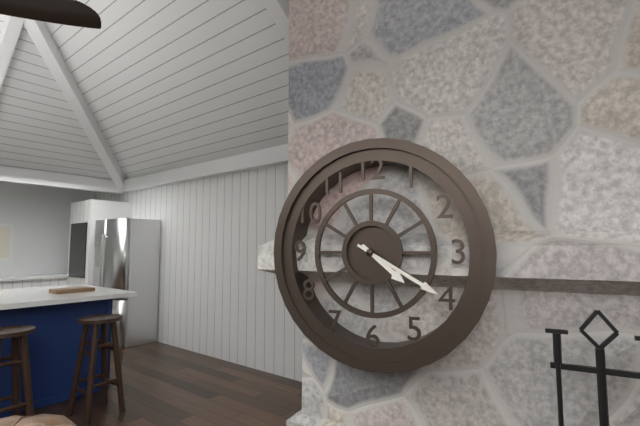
4:20
